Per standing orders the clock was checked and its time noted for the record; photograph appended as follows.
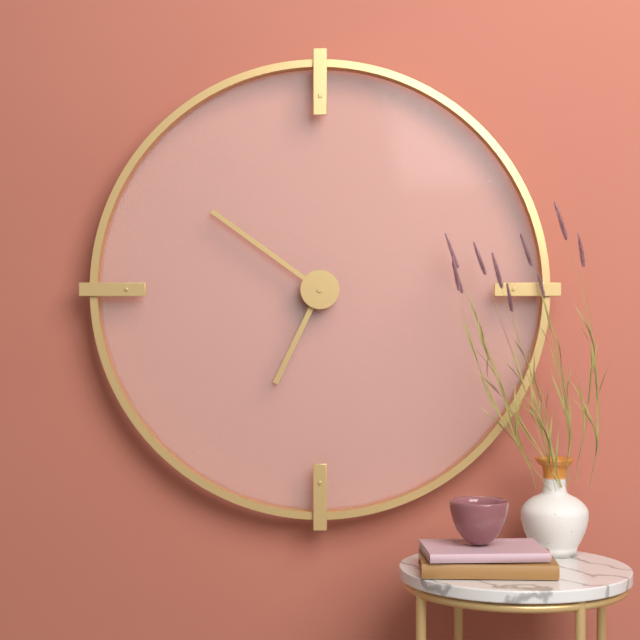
6:51
